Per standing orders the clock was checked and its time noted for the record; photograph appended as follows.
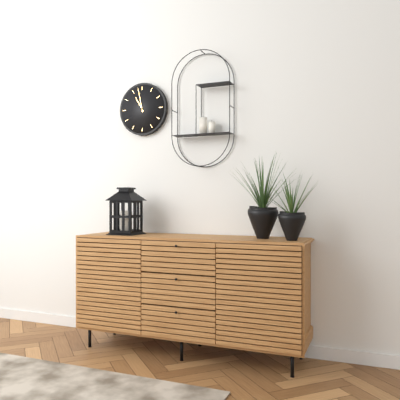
10:58
